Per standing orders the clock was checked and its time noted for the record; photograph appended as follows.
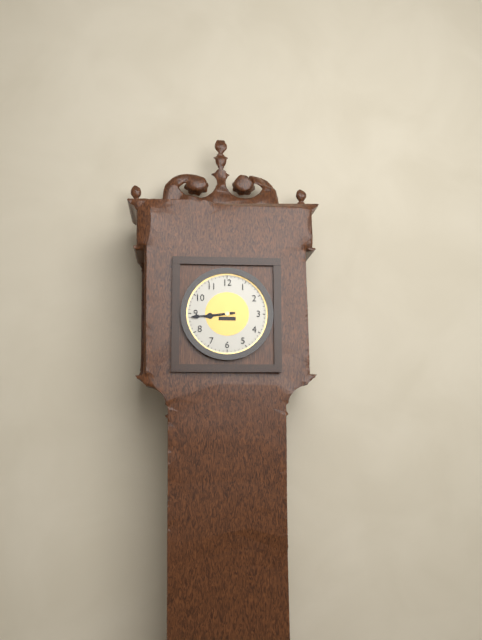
8:44
